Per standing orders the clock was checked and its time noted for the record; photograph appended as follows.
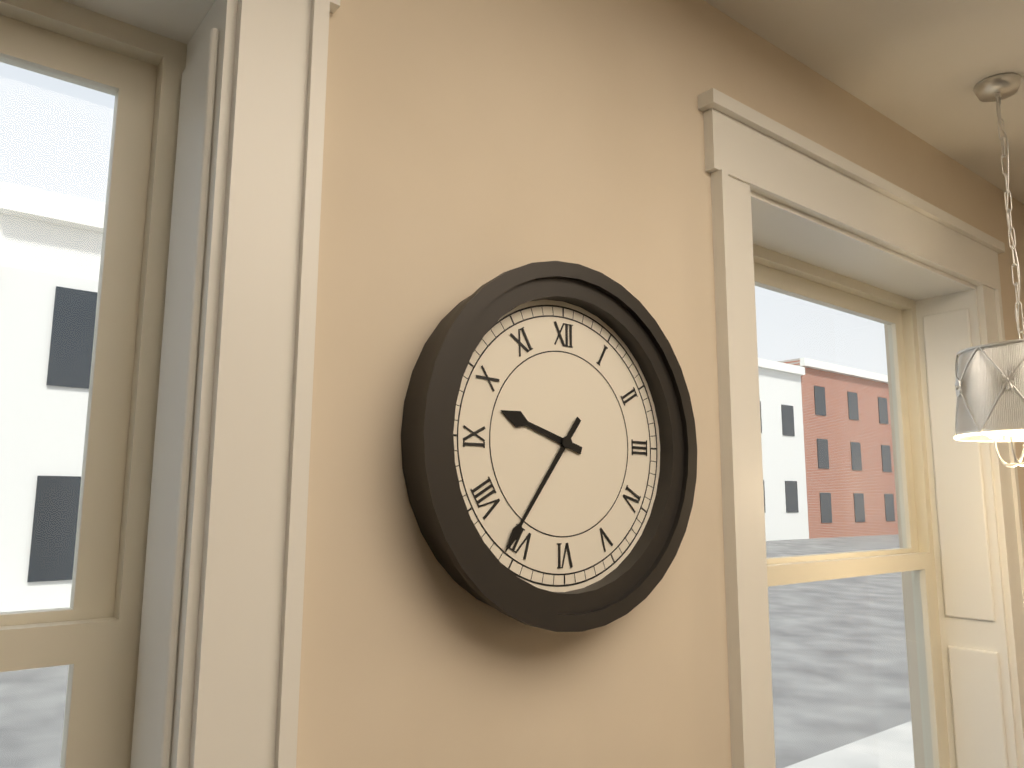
9:36
